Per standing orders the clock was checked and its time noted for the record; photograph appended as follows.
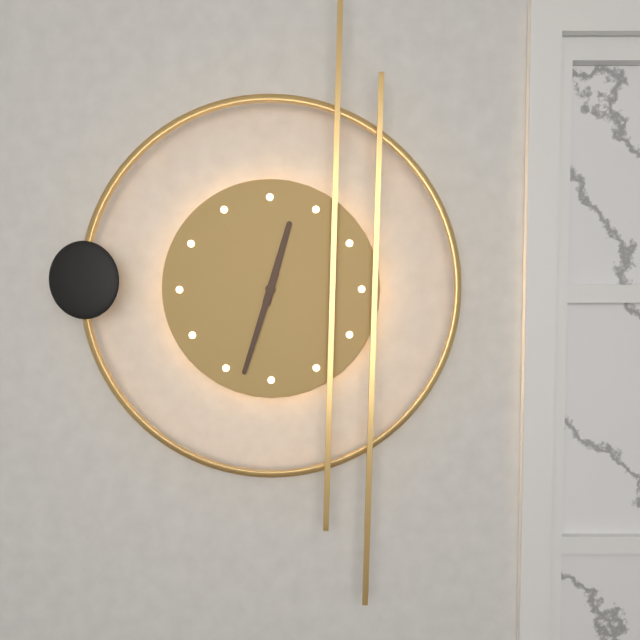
12:33
